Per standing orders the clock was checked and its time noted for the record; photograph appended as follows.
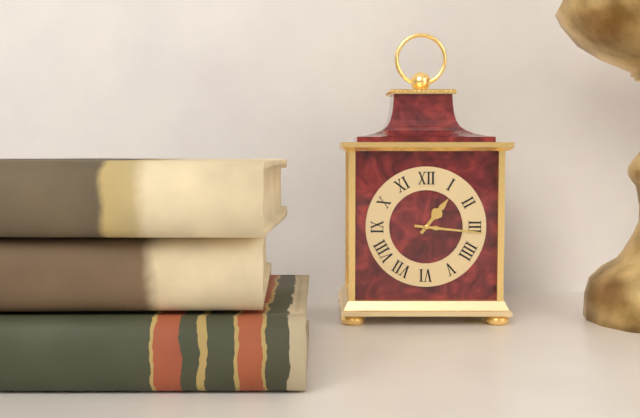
1:16
